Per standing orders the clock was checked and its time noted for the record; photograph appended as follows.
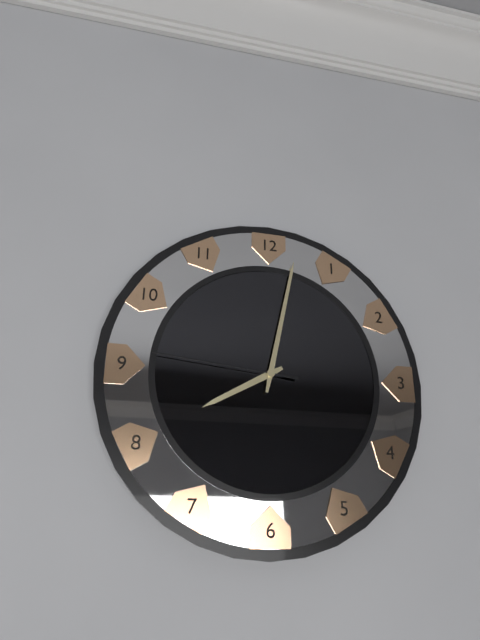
8:02:46
